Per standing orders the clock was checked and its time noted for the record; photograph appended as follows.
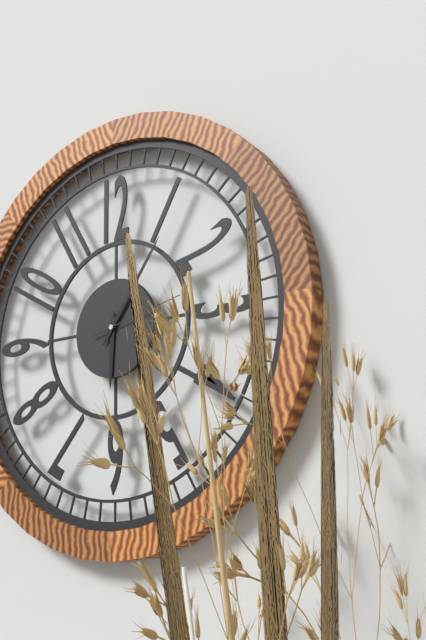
6:06:13
